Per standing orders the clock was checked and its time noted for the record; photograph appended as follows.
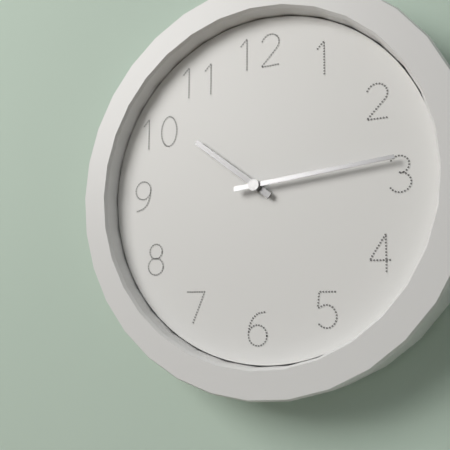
10:14
